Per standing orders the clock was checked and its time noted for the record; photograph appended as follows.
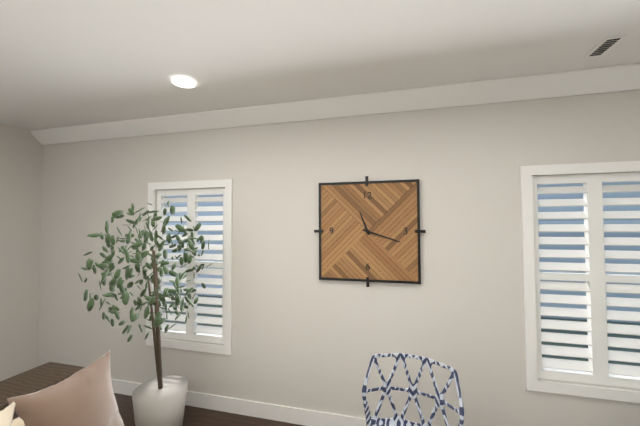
11:18
